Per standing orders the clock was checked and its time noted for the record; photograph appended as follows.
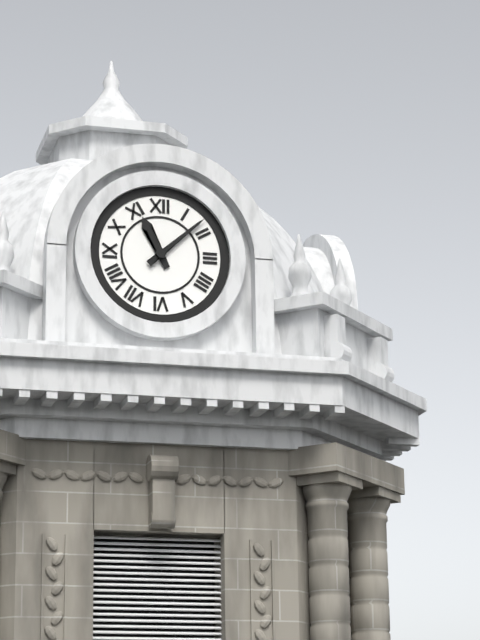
11:08
